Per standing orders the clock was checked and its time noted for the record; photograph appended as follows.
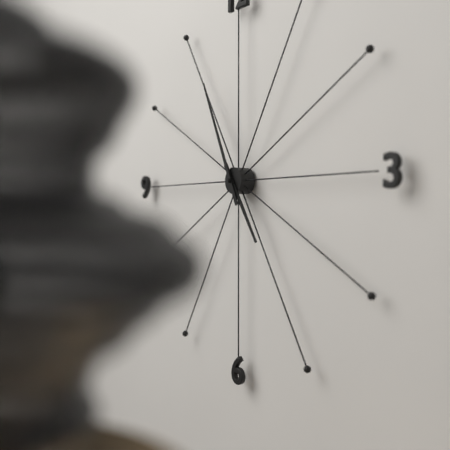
4:56
